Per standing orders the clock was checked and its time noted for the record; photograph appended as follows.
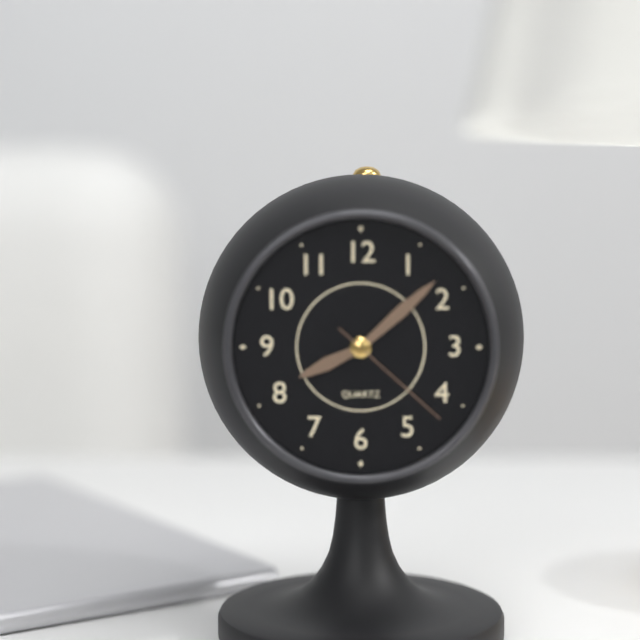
8:08:22
